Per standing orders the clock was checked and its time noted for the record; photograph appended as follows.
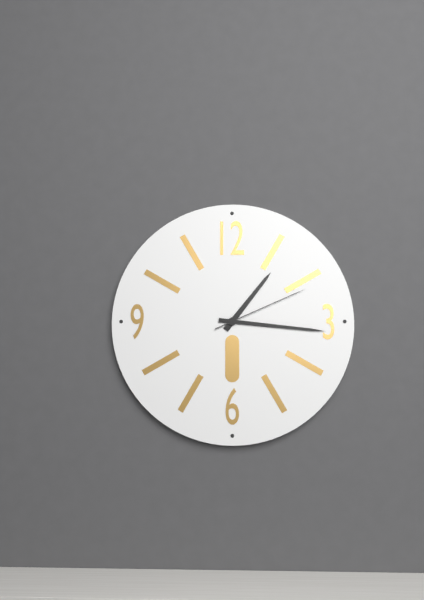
1:16:11
